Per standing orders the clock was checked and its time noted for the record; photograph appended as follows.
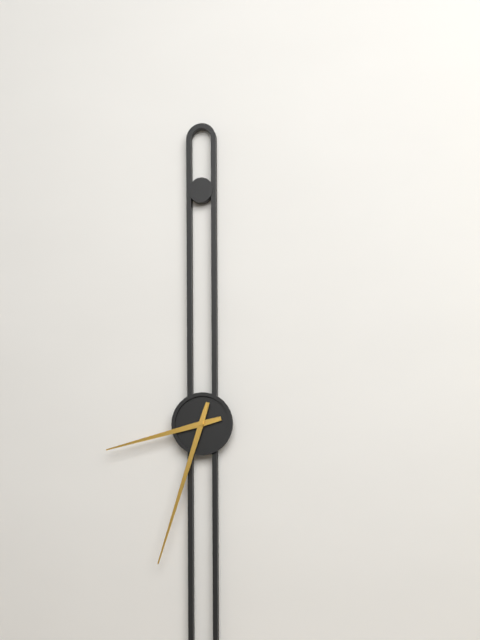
8:33
